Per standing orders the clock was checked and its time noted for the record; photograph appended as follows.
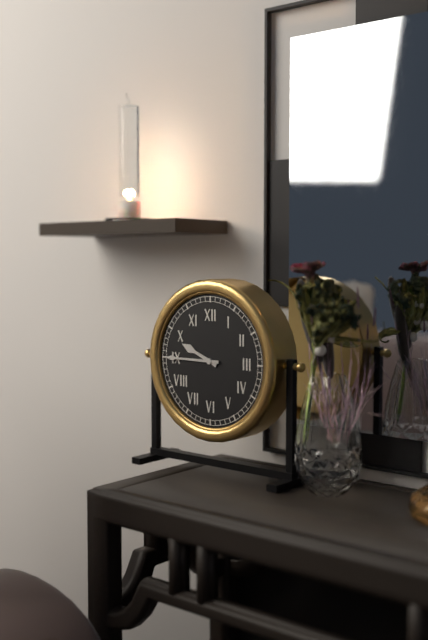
9:45
